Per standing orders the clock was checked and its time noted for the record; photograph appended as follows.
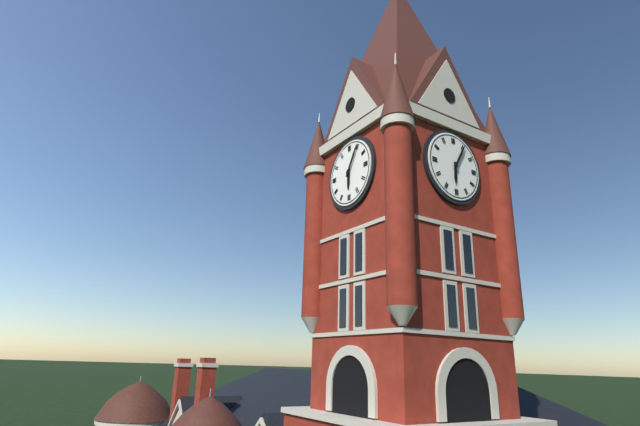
6:05
